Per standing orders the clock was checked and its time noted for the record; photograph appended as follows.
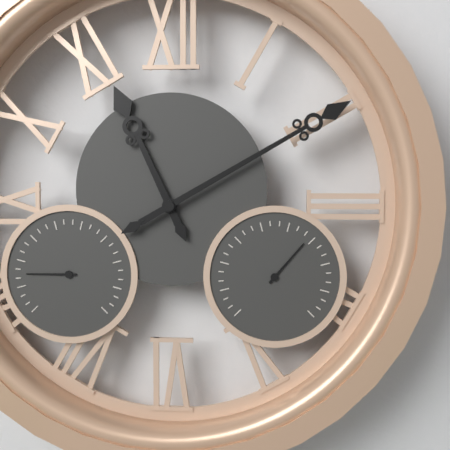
11:10
